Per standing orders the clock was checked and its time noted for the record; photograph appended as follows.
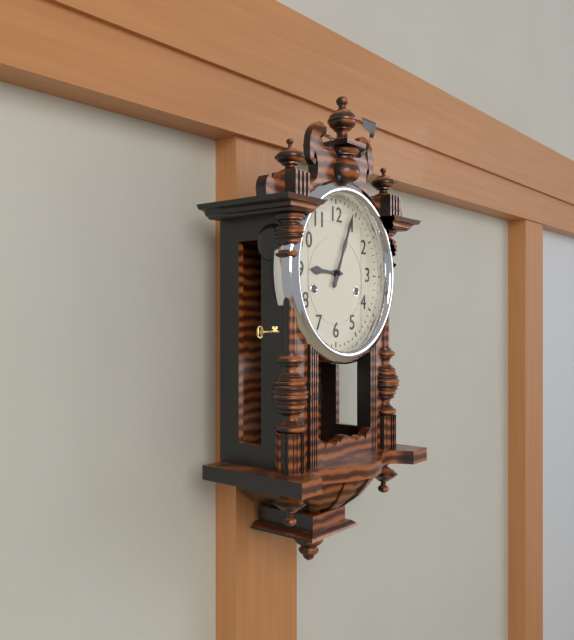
9:04
